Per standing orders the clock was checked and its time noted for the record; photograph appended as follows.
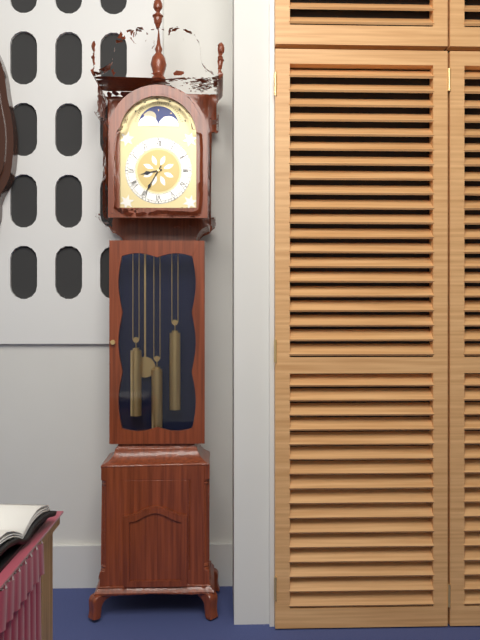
8:35
